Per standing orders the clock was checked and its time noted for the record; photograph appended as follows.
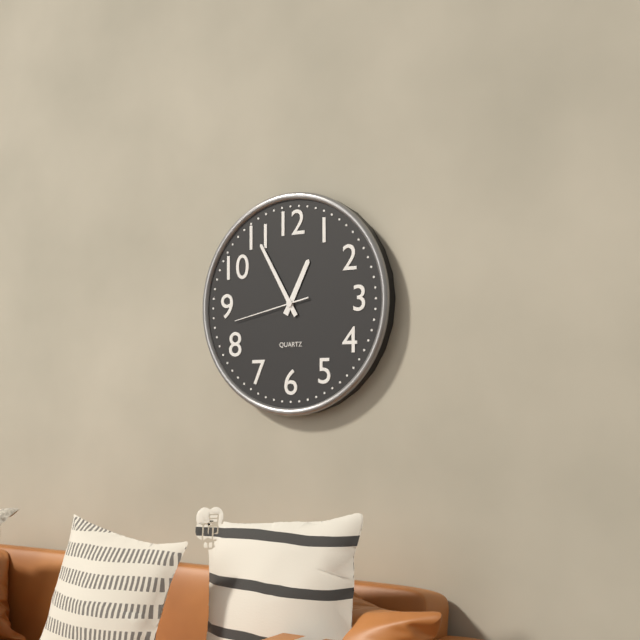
12:55:43
